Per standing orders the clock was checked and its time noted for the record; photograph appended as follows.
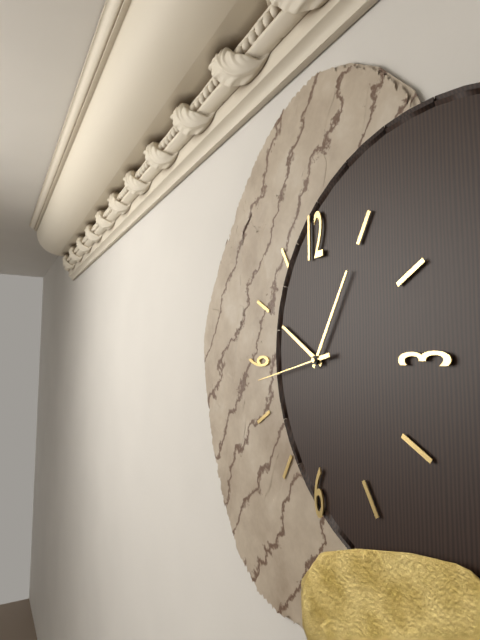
10:05:43
